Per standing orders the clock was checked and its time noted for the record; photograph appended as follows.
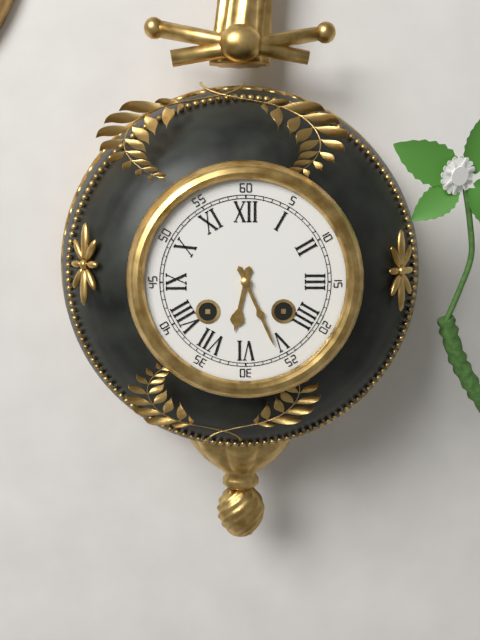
6:26
